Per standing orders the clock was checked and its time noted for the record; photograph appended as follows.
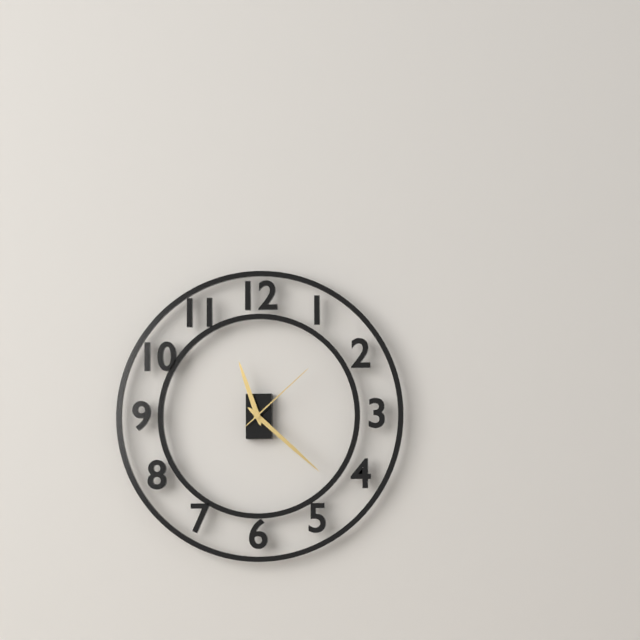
11:22:08
